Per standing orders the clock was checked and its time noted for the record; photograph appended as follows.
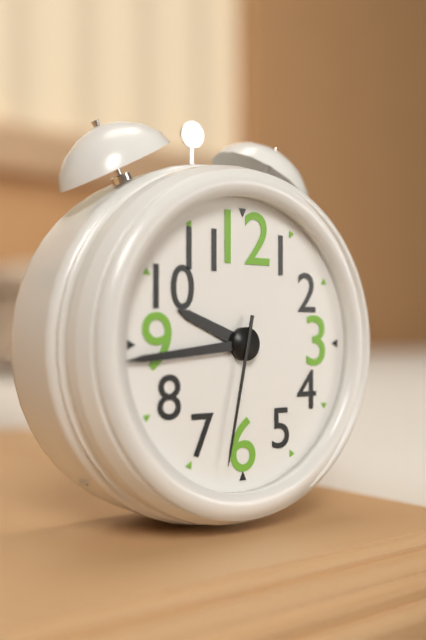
9:44:32
